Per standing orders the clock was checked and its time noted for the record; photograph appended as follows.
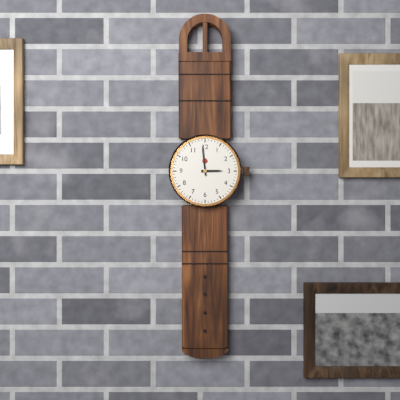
2:59
